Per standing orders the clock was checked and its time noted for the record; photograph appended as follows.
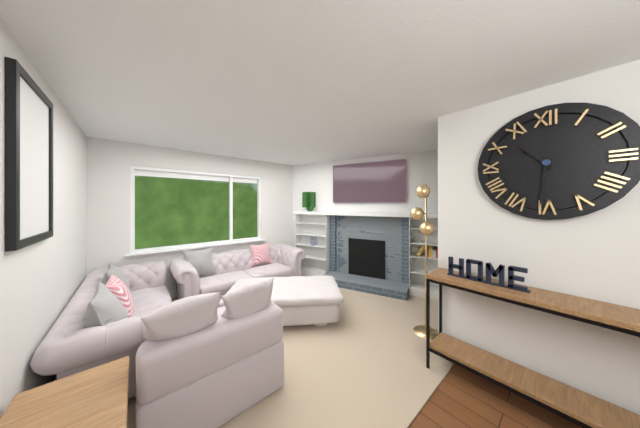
10:31
